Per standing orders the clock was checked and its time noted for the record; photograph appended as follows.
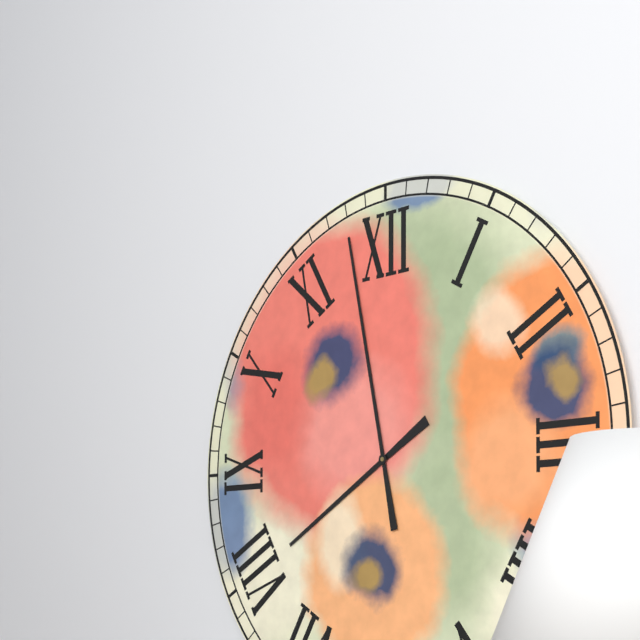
7:58
